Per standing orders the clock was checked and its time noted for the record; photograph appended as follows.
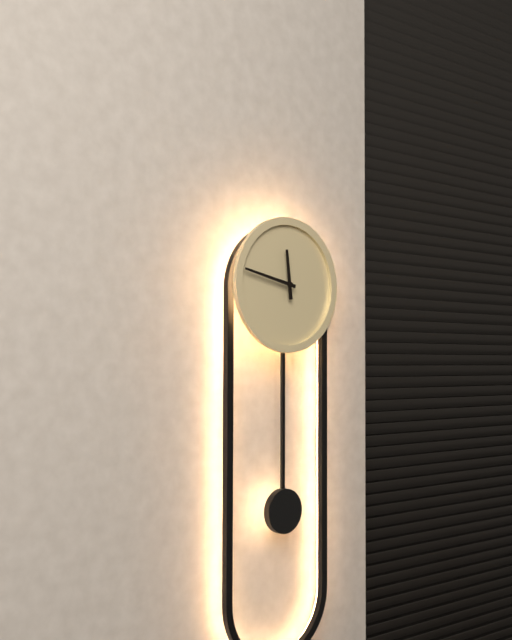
11:47
